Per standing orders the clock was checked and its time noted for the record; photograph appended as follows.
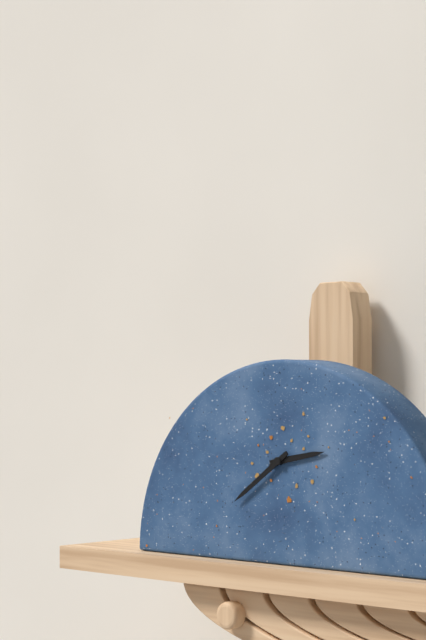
2:39
